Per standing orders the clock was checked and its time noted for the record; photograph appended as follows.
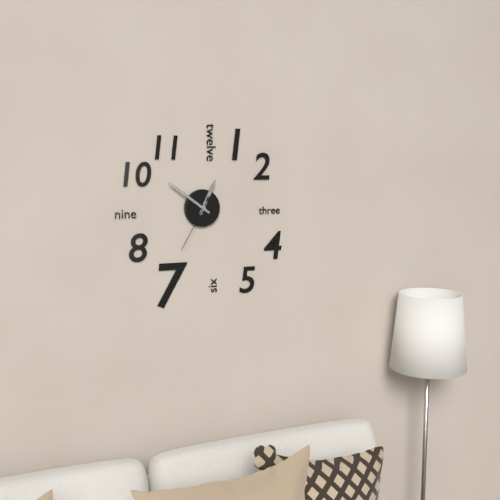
12:51:35
